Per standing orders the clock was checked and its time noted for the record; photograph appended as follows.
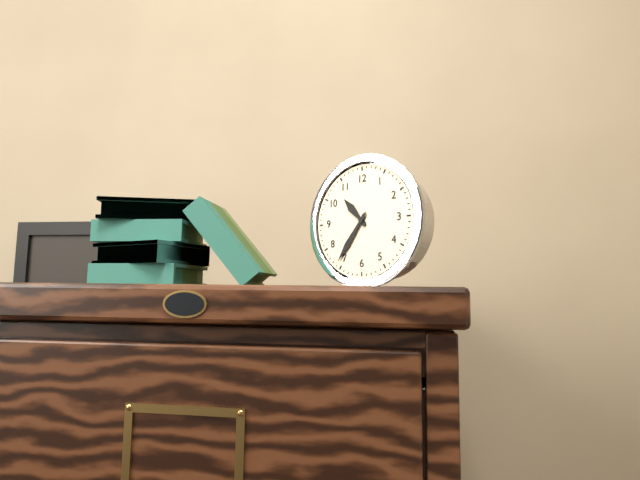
10:36
